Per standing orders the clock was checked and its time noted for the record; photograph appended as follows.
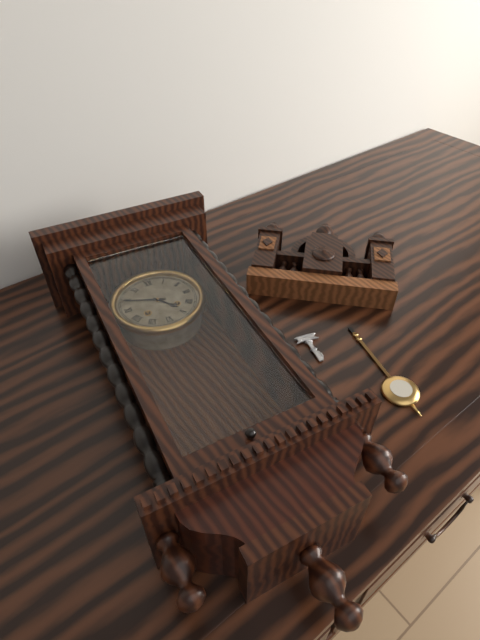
4:49
